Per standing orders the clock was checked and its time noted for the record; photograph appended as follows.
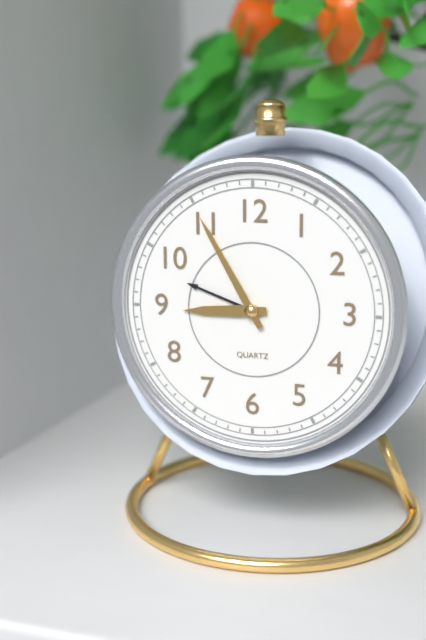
8:55
